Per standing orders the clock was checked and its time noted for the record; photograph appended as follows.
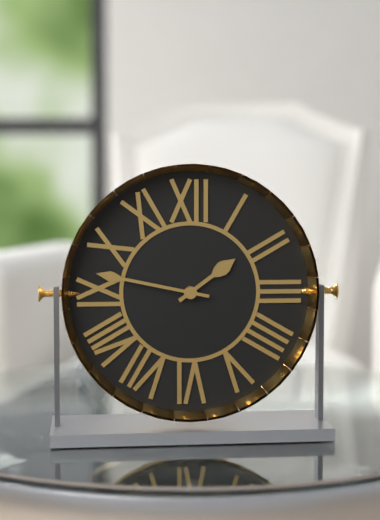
1:47
